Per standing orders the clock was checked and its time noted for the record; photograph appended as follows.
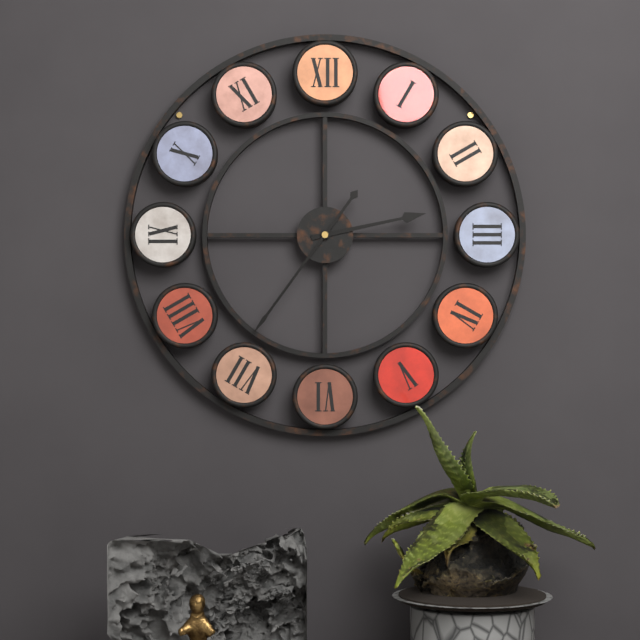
2:36
